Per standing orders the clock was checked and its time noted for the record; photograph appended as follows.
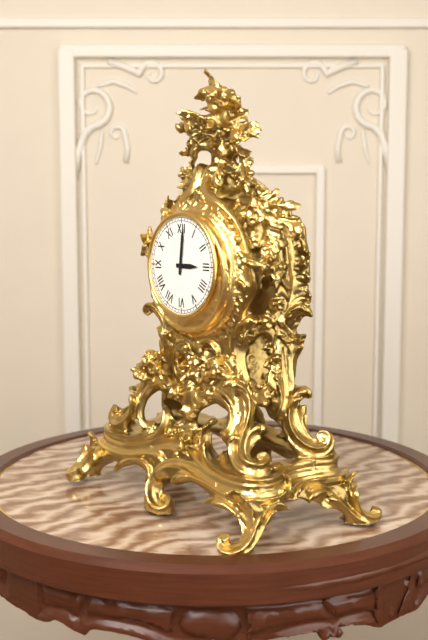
3:01
